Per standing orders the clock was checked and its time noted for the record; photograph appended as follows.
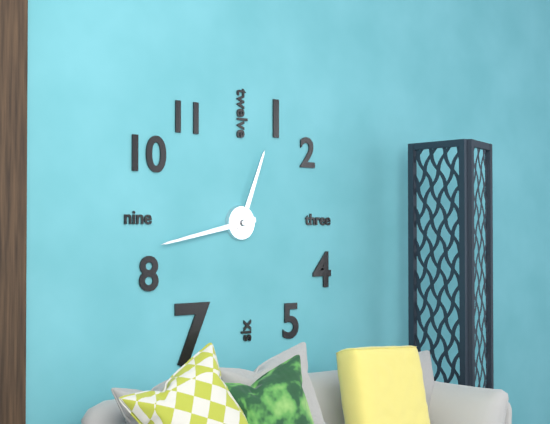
12:43
